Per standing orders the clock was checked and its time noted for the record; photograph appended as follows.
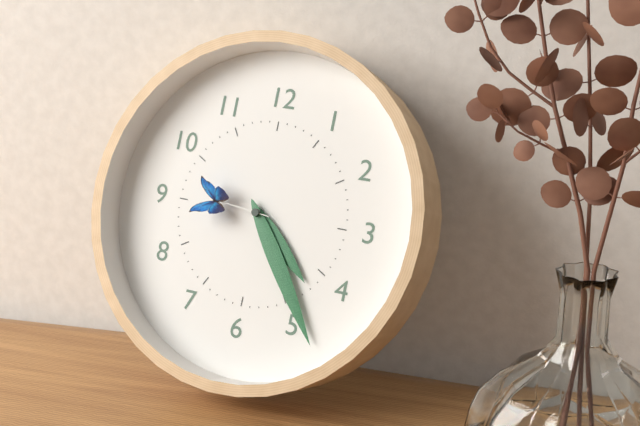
4:24:46
